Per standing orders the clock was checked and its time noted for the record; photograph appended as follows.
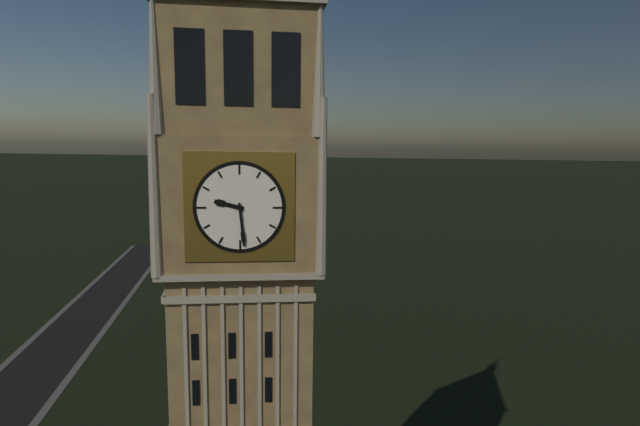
9:29
